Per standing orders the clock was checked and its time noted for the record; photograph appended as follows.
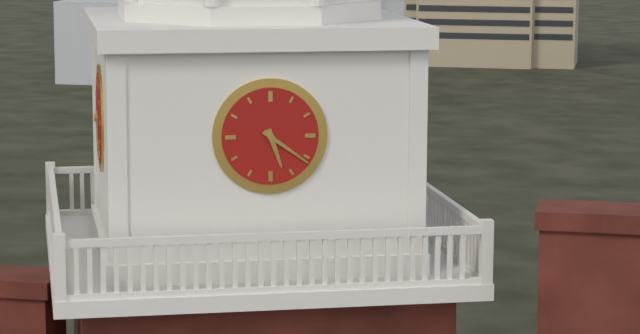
5:21
